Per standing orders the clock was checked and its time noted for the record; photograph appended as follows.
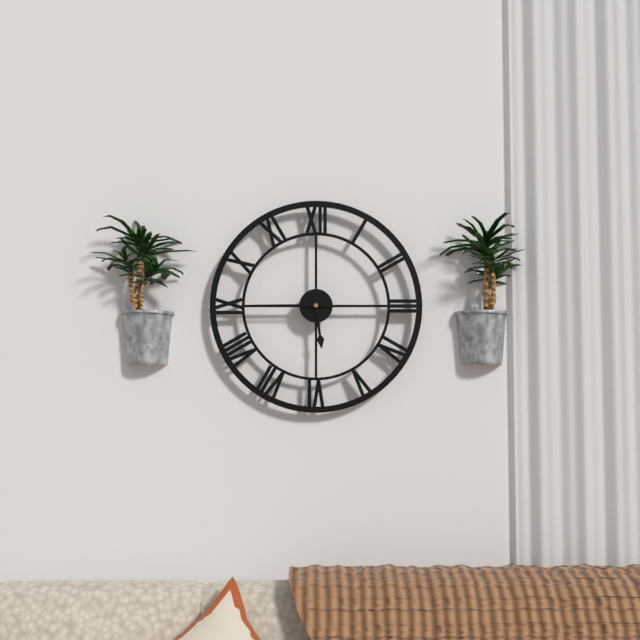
5:45
